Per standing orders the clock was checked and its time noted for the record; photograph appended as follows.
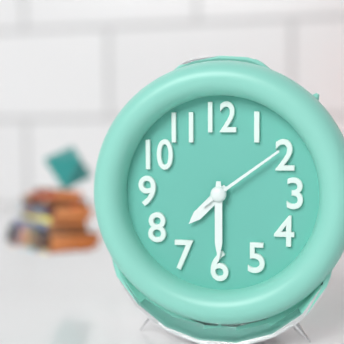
7:30:09
